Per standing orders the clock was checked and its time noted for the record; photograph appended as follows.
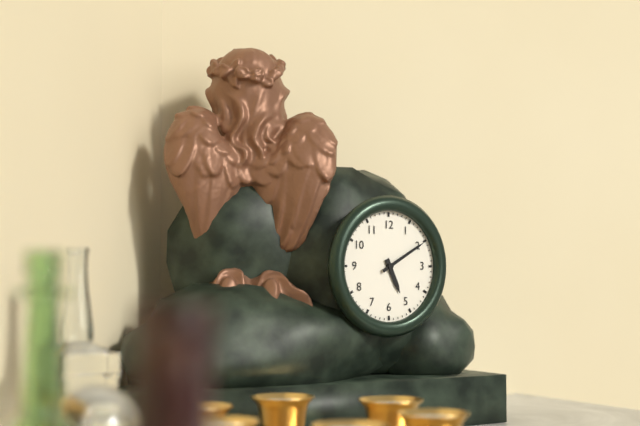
5:10
